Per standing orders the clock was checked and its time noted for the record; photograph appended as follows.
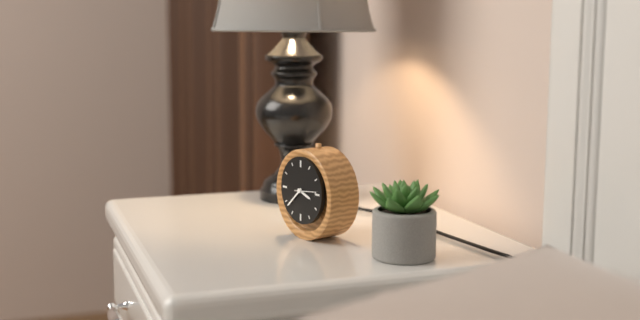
3:38
